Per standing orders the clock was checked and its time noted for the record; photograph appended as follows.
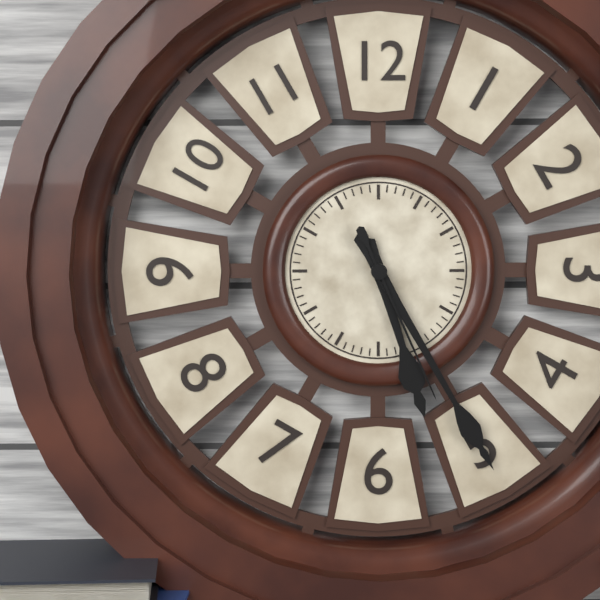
5:25:26
